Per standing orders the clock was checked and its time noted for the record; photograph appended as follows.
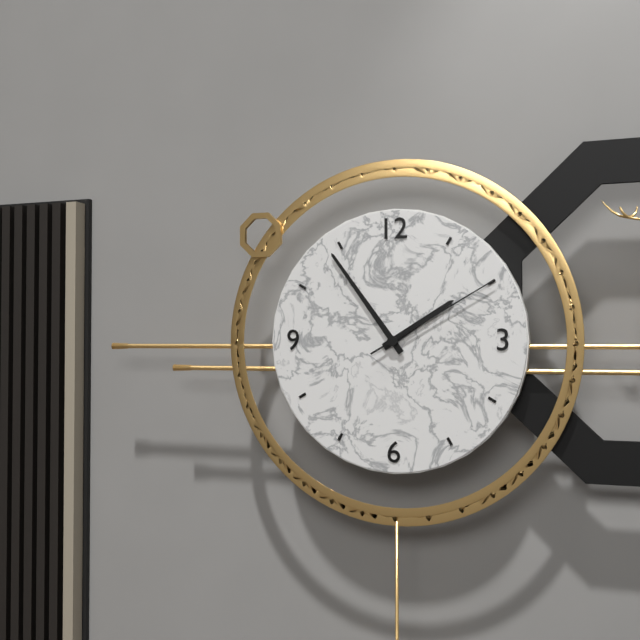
1:54:10
